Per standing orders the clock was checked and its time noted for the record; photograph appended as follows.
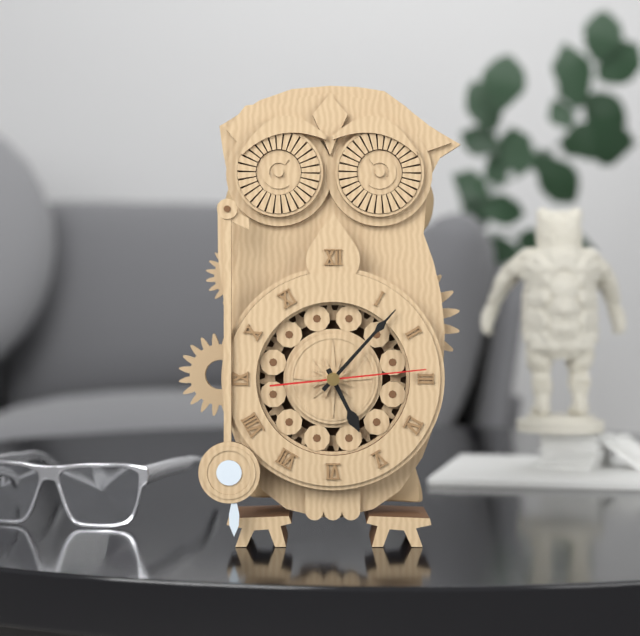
5:07:14
